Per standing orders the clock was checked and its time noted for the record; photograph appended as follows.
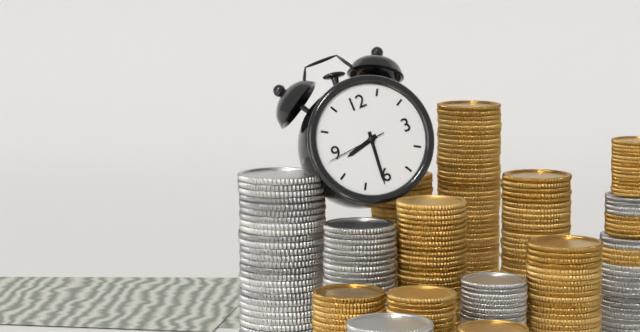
8:31:44
